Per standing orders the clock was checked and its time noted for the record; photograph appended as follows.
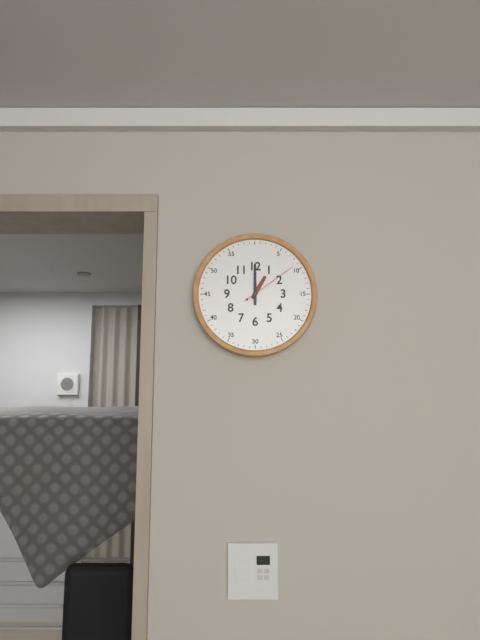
1:00:09
